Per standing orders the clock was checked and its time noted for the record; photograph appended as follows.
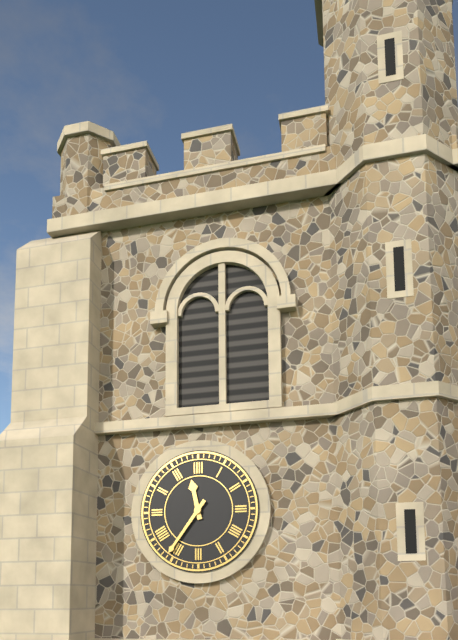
11:36
